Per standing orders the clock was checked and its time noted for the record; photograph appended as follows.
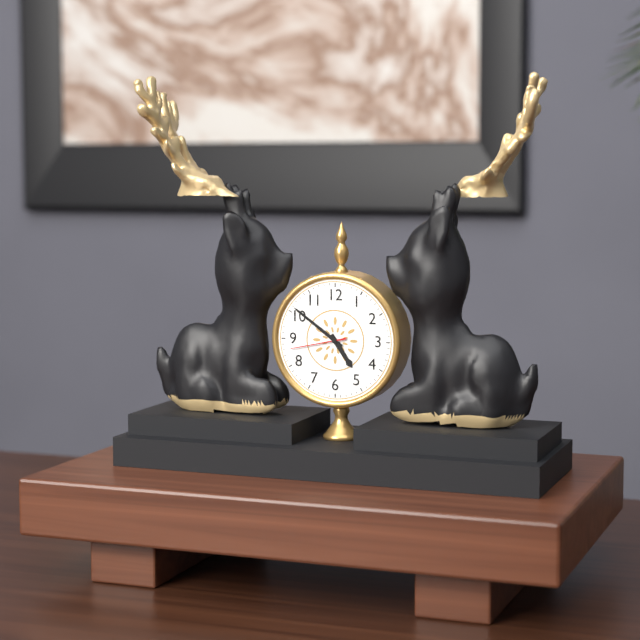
4:51:43
